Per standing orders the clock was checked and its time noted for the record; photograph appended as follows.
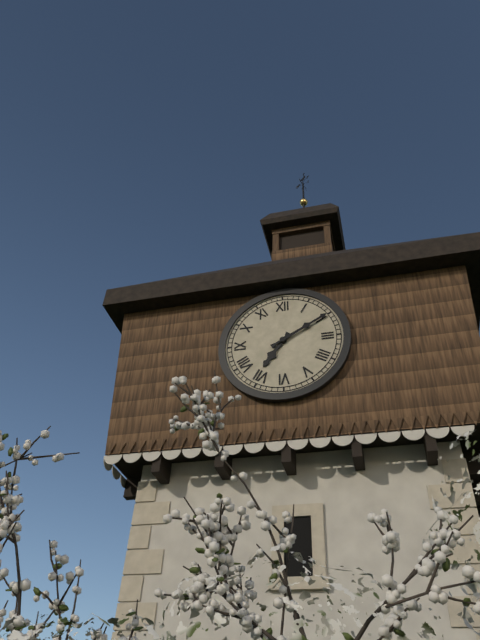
7:10
